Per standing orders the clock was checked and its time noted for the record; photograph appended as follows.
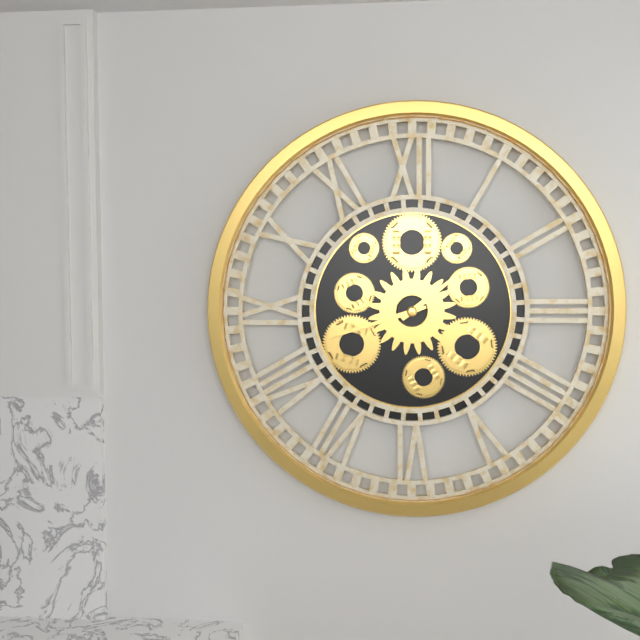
1:42
